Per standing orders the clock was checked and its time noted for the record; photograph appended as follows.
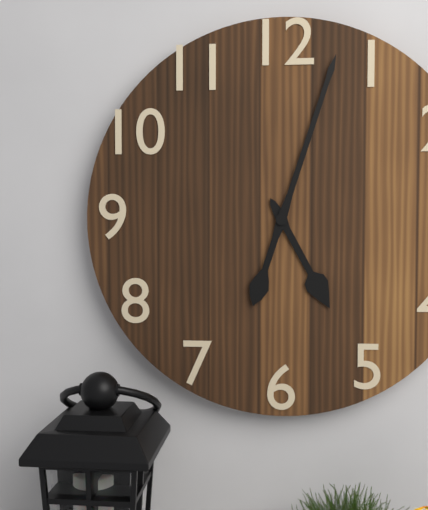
5:03
